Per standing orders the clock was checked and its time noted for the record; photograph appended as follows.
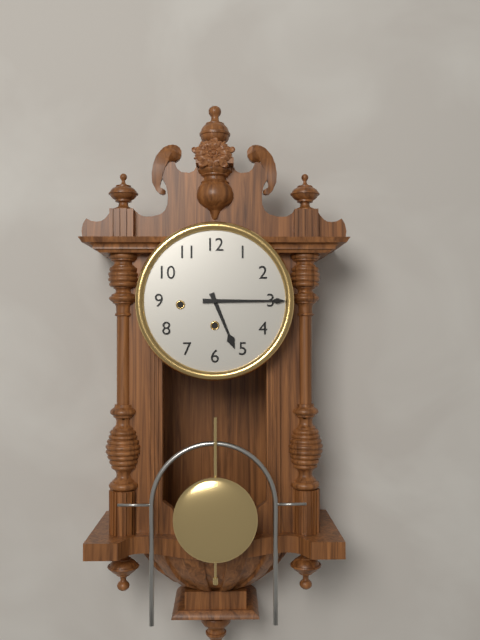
5:15
